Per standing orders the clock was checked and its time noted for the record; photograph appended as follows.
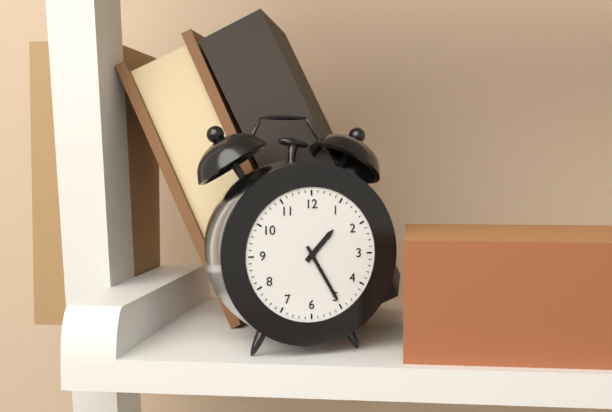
1:25
